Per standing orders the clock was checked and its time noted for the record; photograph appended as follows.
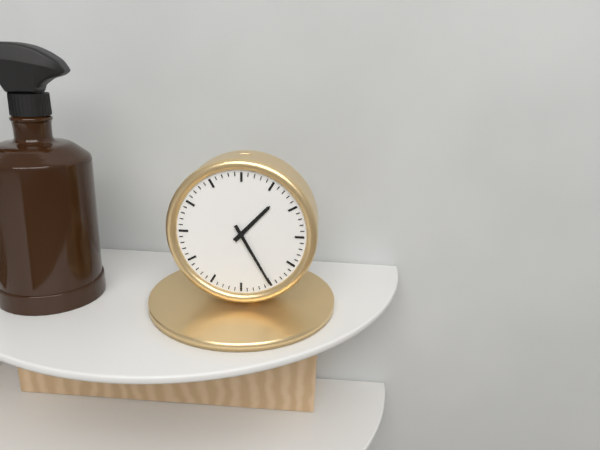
1:25
